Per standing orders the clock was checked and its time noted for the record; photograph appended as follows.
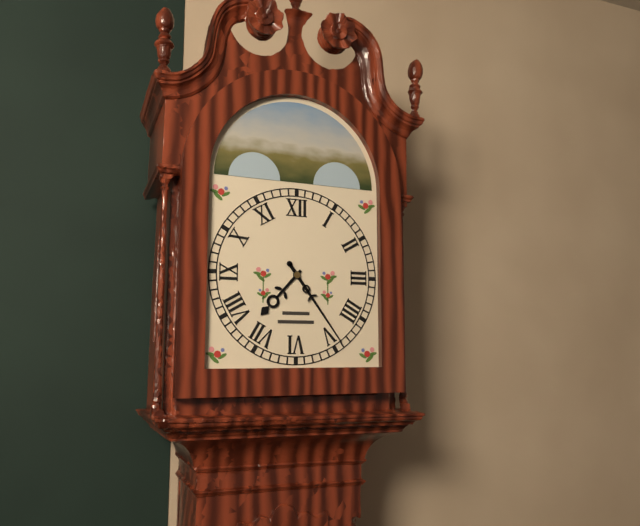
7:24
